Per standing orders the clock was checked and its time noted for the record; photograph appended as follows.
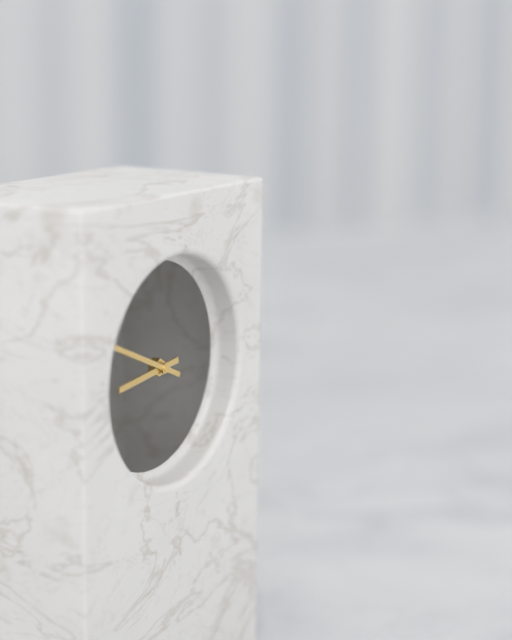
8:49
